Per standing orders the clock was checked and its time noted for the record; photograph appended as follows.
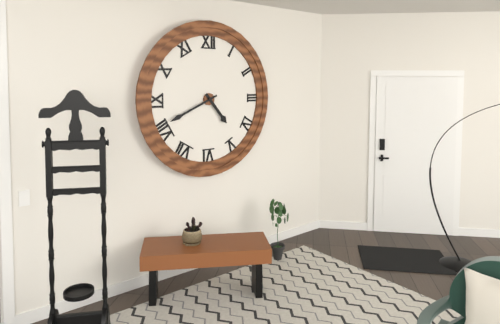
4:41
